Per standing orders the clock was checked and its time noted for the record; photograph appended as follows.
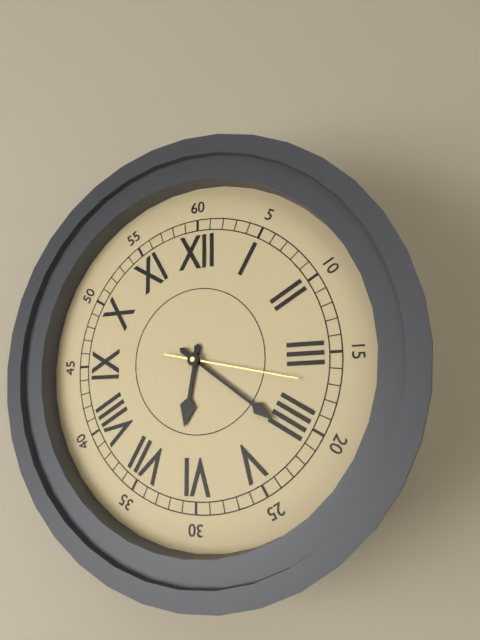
6:21:17
